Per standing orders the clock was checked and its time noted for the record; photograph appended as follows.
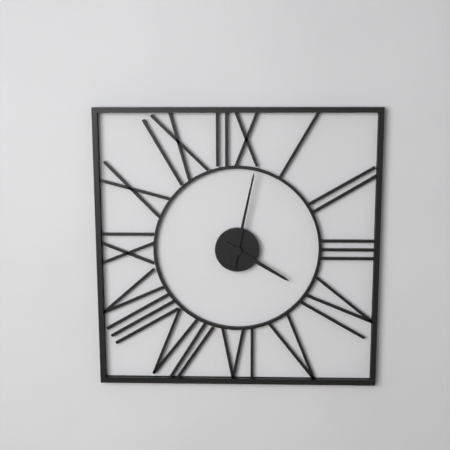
4:02
